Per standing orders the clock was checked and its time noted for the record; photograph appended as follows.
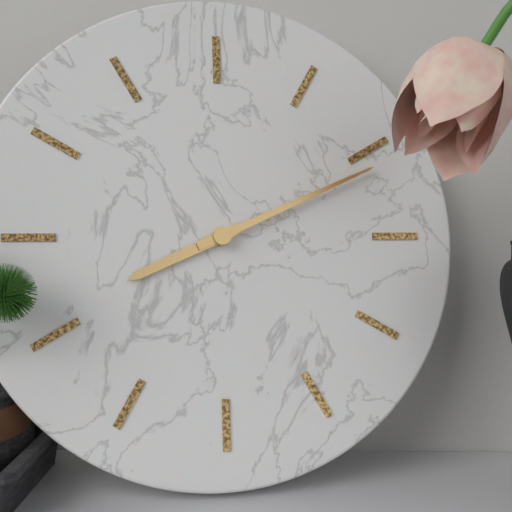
8:11
